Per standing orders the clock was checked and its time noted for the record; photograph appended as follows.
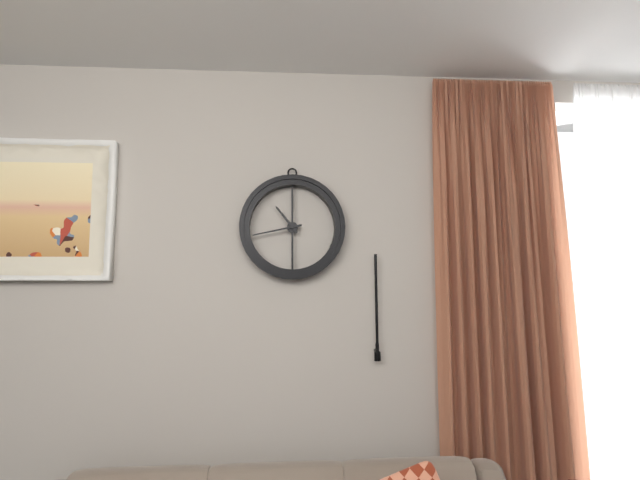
10:43
